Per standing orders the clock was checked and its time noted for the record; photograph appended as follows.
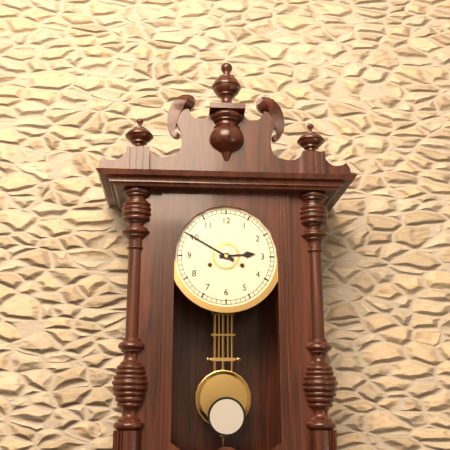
2:50
